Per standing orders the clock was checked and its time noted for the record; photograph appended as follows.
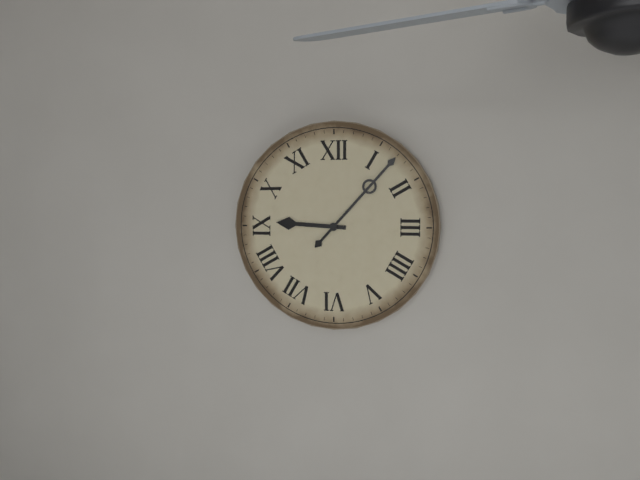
9:07
